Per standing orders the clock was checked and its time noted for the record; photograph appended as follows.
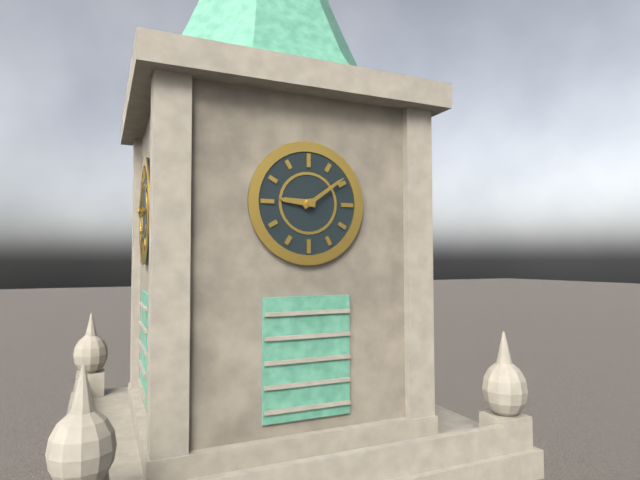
9:09
